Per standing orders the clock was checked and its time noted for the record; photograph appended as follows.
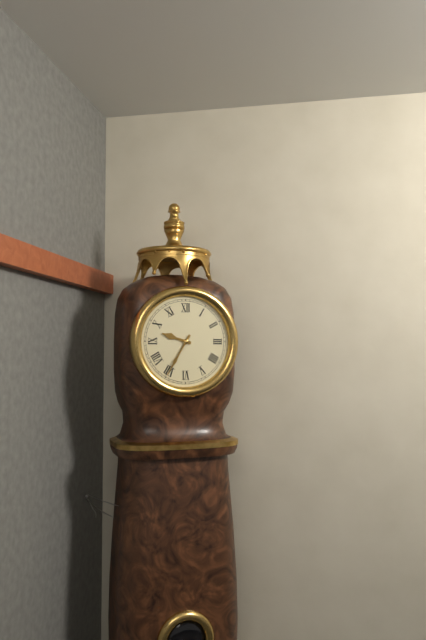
9:35
